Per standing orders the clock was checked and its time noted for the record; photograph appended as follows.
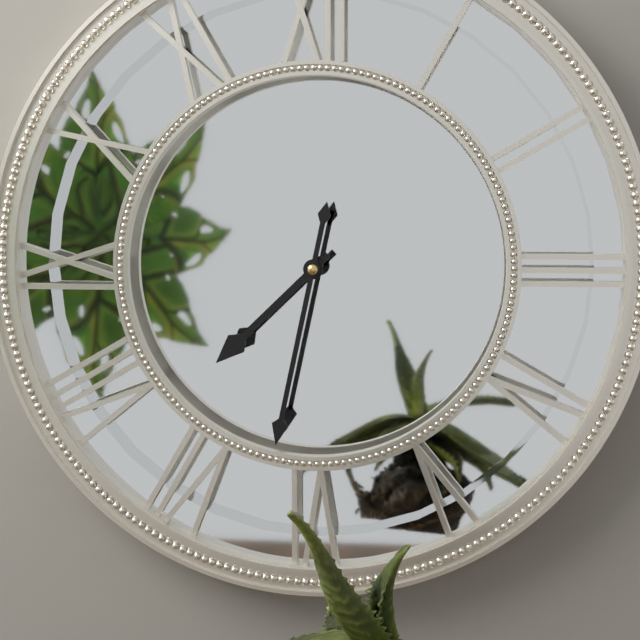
7:32
